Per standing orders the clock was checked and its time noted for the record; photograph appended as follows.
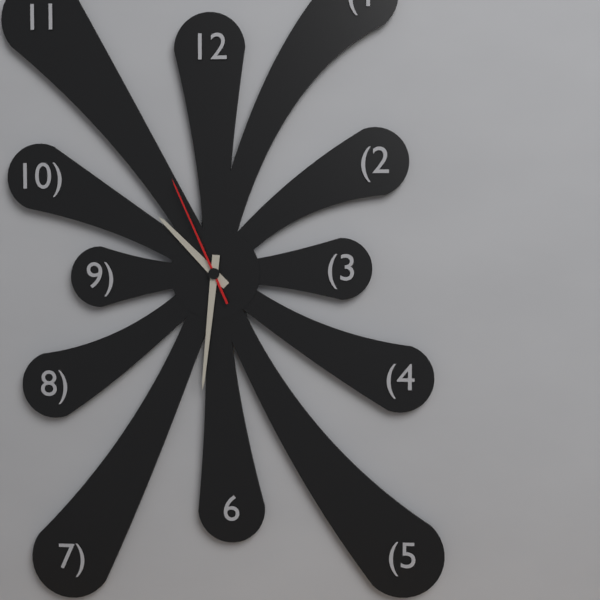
10:31:56
